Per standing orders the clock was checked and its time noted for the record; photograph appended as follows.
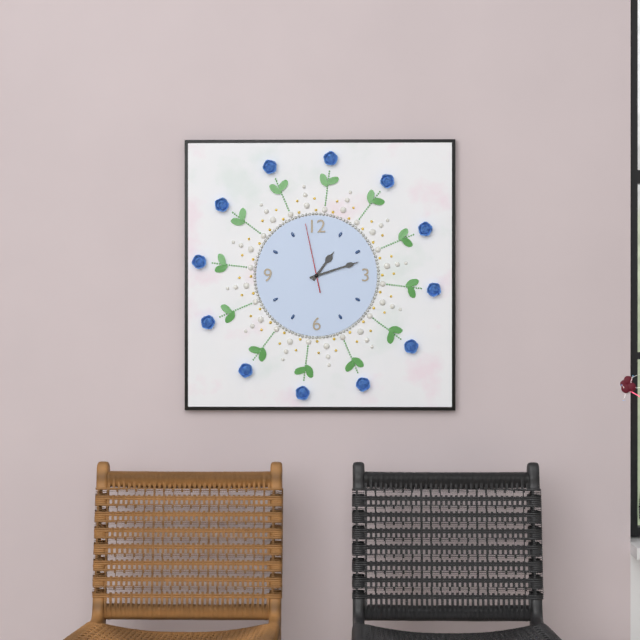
1:12:58
